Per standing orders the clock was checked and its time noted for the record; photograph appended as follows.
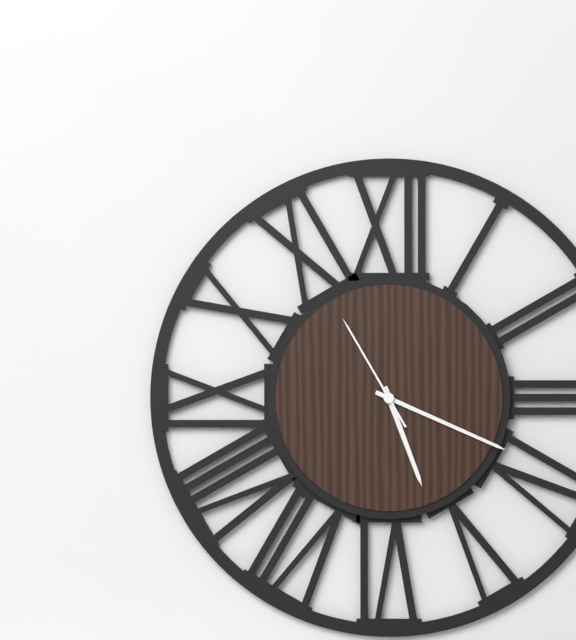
5:19:55
